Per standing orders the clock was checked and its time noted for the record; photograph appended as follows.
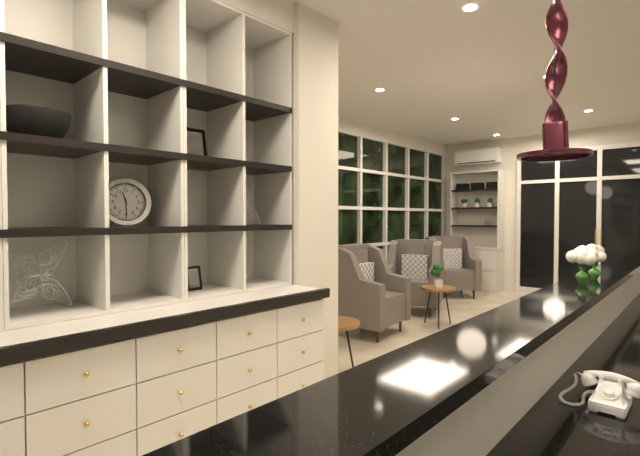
11:30
